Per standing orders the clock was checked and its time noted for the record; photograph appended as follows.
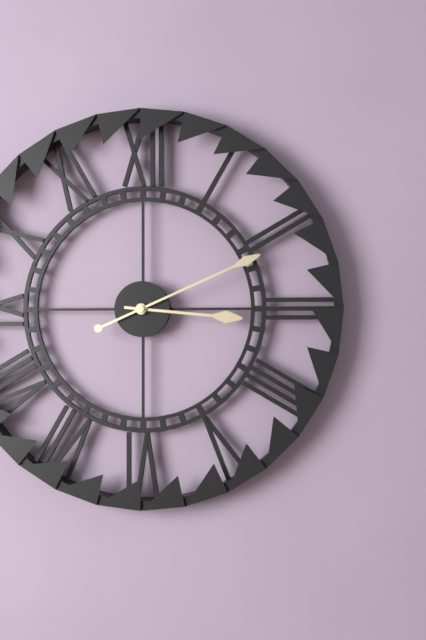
3:11
